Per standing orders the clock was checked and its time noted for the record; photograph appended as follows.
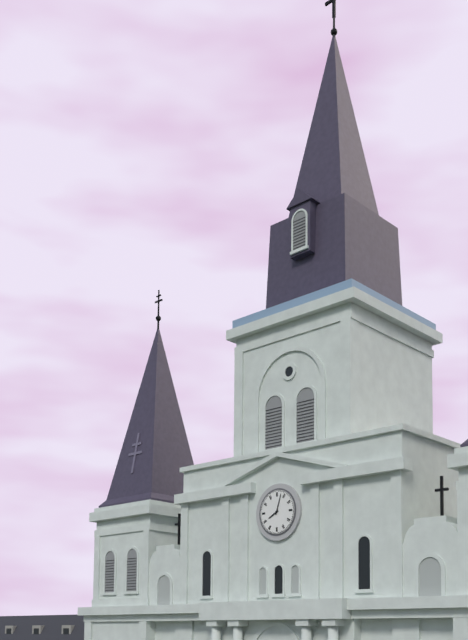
8:03
